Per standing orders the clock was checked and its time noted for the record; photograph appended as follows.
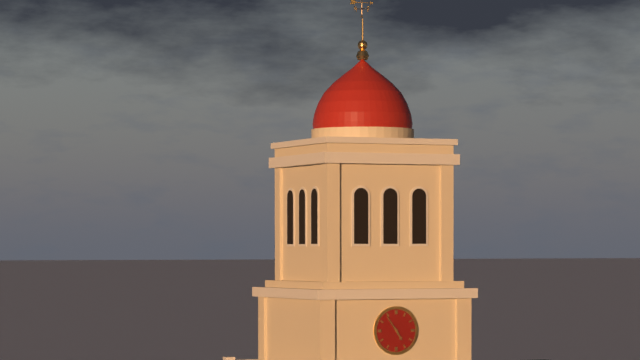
4:54
